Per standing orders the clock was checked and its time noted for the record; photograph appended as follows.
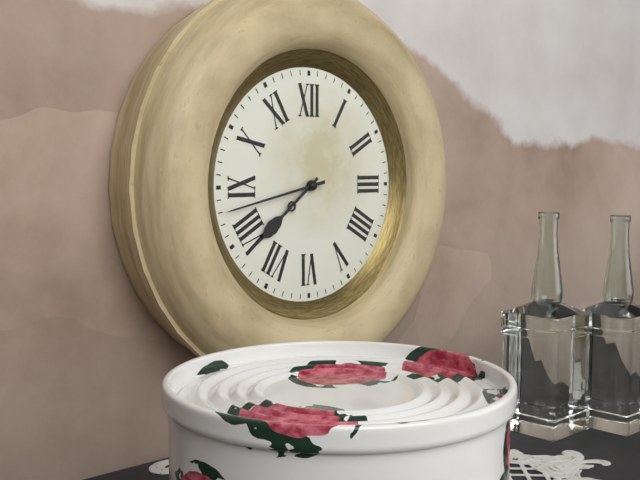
7:43
